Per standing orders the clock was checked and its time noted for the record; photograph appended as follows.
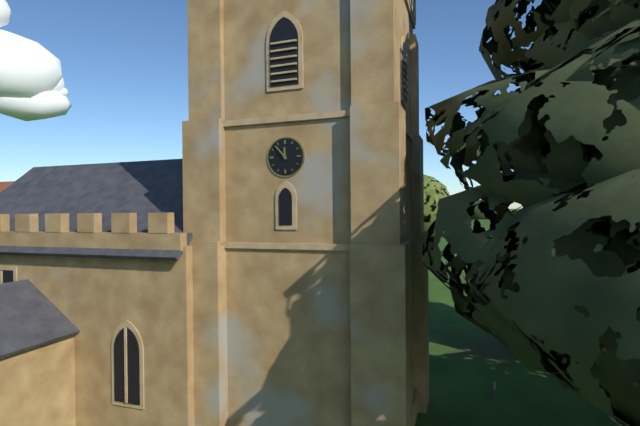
11:53
